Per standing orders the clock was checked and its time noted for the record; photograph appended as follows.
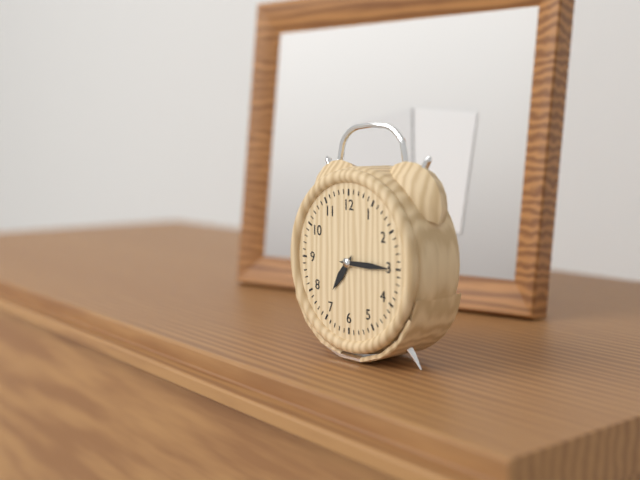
7:15
